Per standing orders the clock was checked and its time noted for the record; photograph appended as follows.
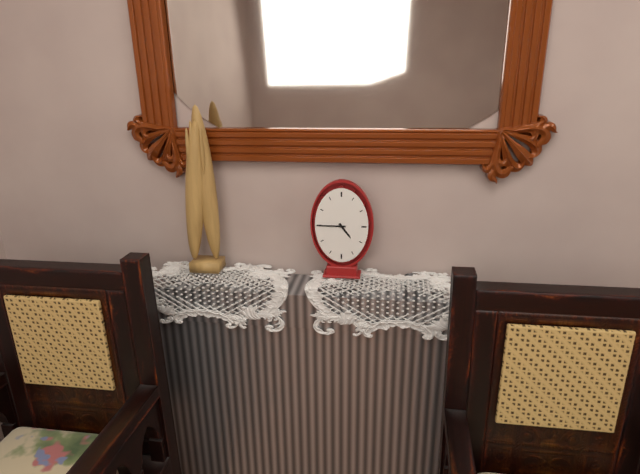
4:45
